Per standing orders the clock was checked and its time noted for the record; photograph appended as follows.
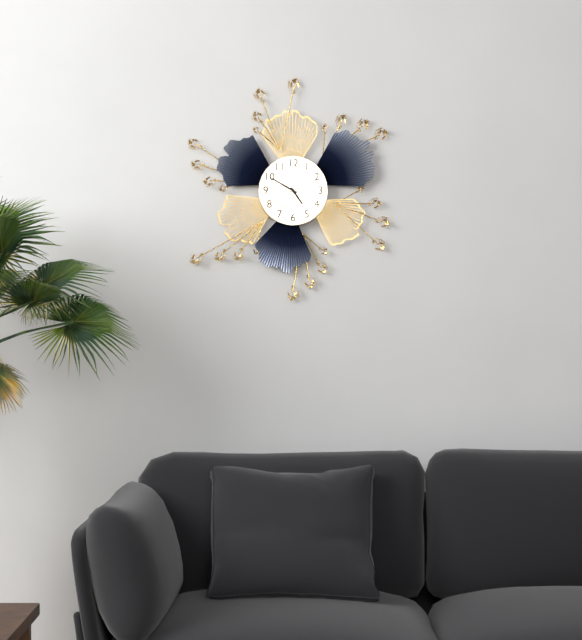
4:50
